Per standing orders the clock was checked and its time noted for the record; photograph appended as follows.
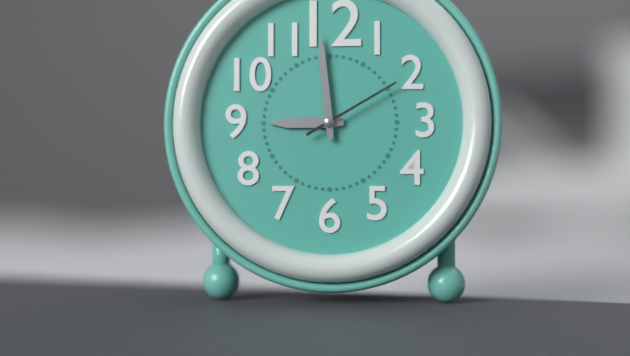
8:59:10
